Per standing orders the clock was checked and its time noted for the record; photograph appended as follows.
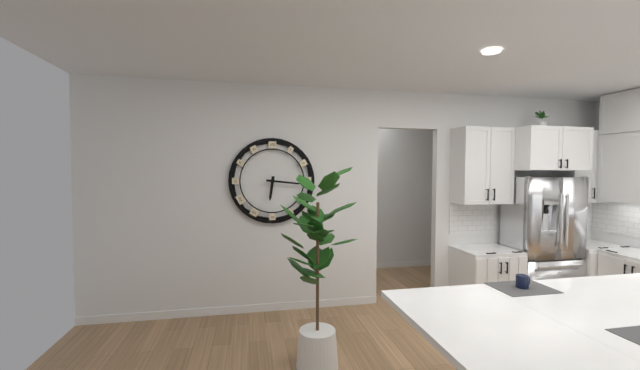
6:16
